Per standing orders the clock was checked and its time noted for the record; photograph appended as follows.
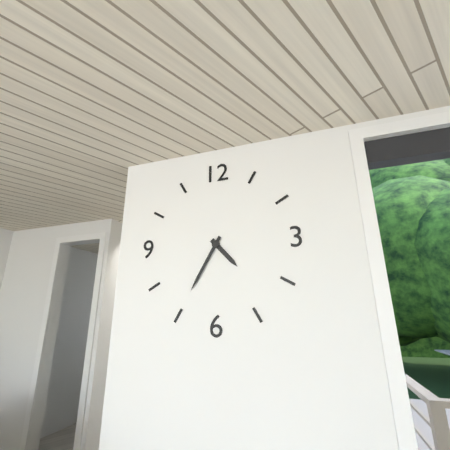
4:35
